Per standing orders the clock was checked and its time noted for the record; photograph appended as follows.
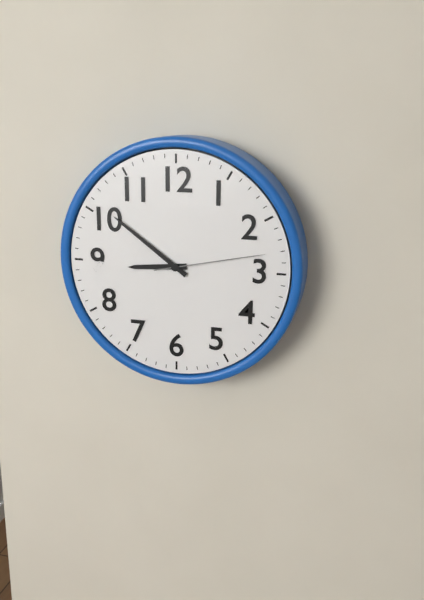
8:51:13
